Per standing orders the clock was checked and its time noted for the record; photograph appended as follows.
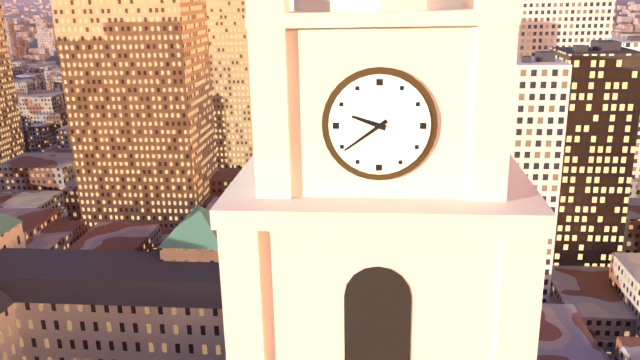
9:39
